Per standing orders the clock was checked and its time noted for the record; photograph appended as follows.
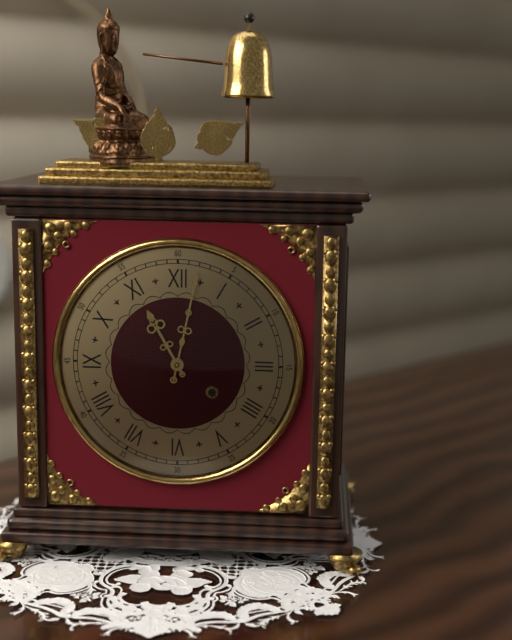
11:02
